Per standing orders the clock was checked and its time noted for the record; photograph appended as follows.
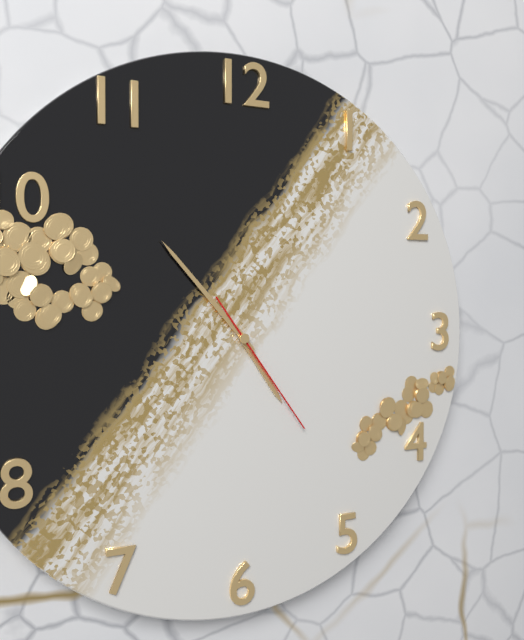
4:53:24
